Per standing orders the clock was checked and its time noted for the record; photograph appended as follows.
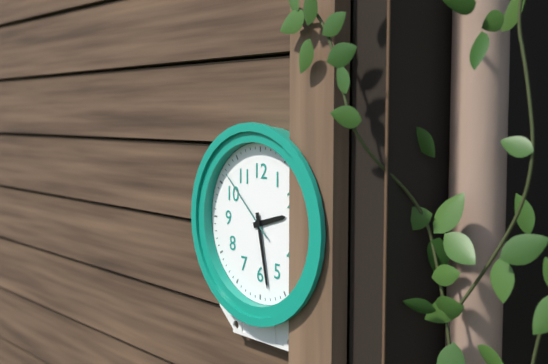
2:28:52
